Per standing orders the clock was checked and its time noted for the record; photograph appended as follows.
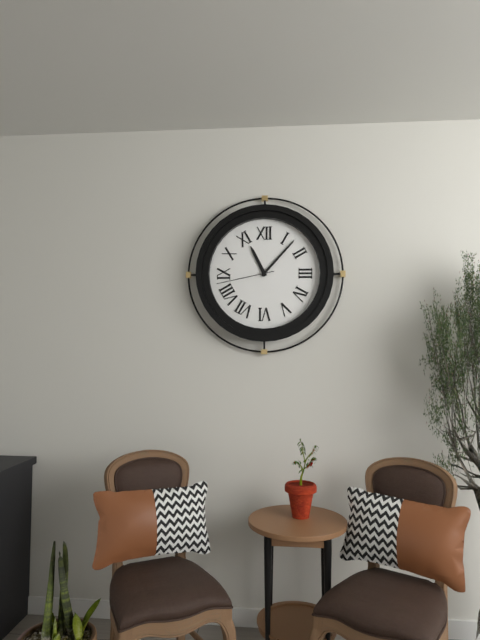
11:07:43
